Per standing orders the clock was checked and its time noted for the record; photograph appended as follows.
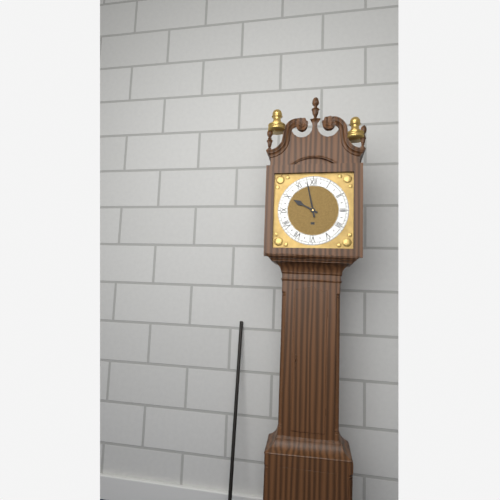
9:58
